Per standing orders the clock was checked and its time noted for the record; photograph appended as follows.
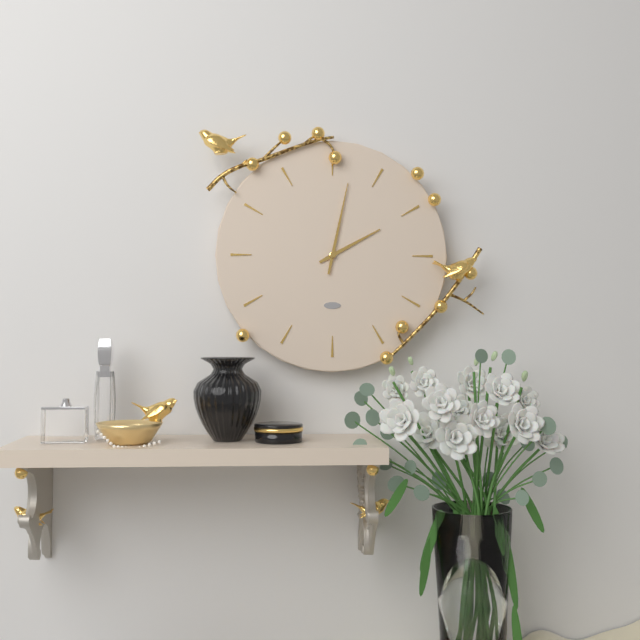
2:02
